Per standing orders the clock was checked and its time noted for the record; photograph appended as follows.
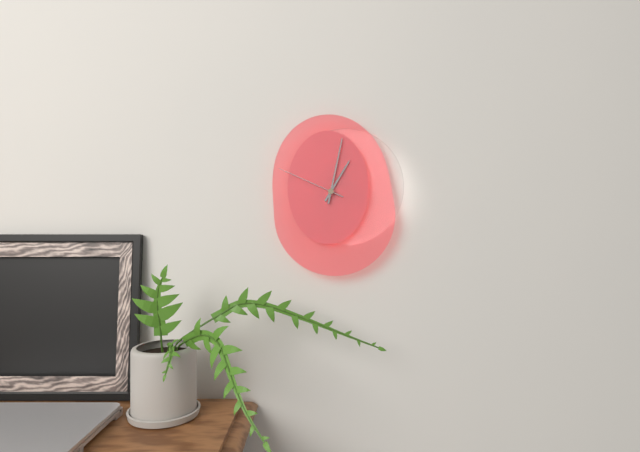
1:02:49
